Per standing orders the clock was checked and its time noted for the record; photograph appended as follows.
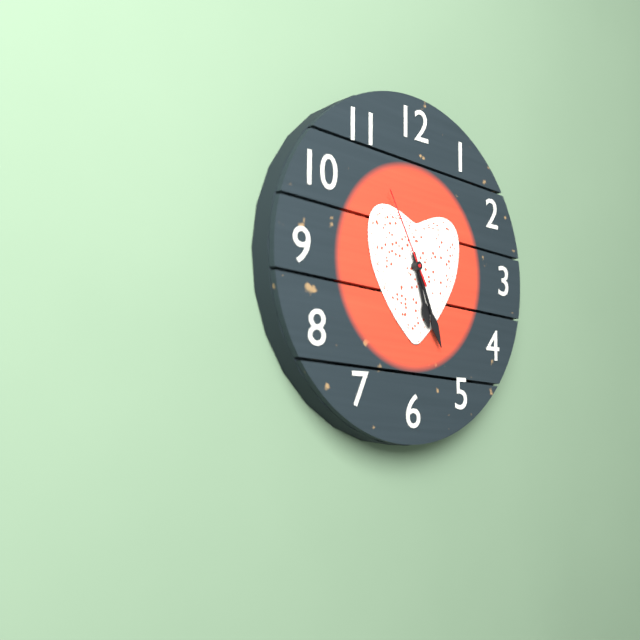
5:26:55
